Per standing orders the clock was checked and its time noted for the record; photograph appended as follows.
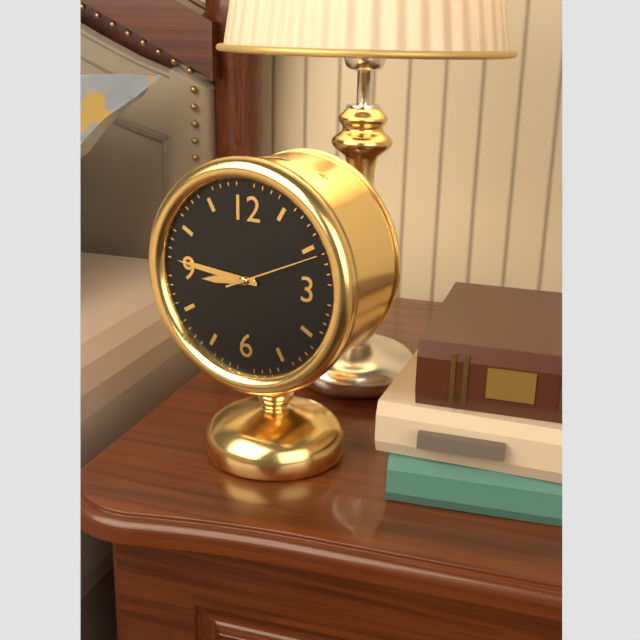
8:46:11
